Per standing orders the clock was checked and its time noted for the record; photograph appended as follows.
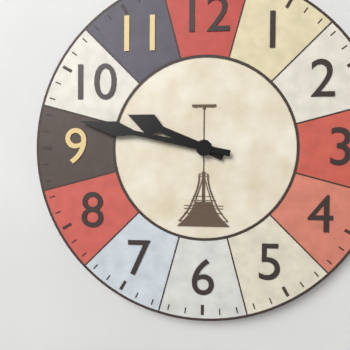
9:47
